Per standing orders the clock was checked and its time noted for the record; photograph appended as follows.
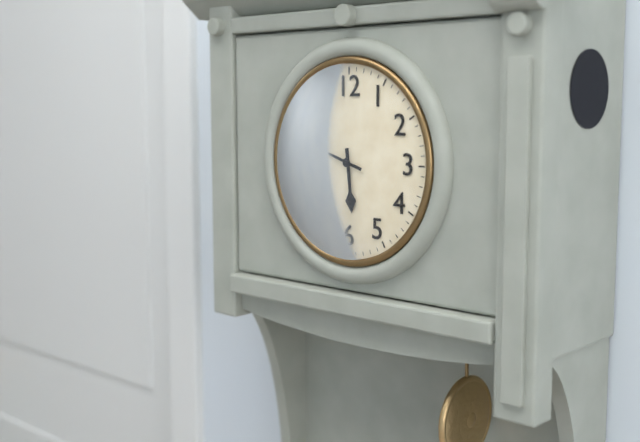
5:48
